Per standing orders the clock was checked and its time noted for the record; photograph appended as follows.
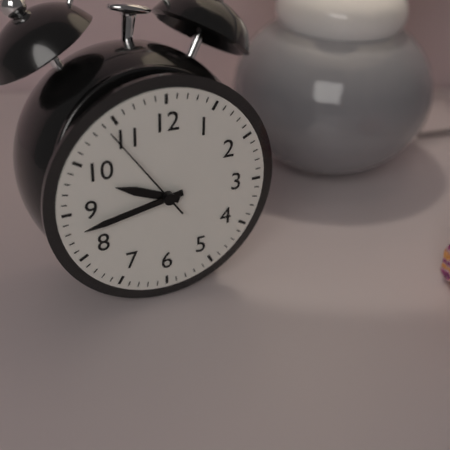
9:43:54
